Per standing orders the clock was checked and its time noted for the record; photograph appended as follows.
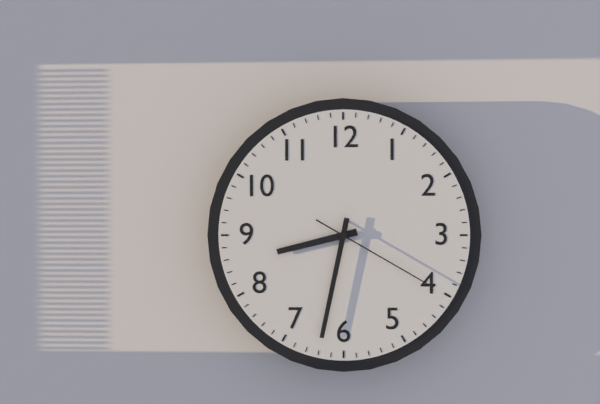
8:32:20
